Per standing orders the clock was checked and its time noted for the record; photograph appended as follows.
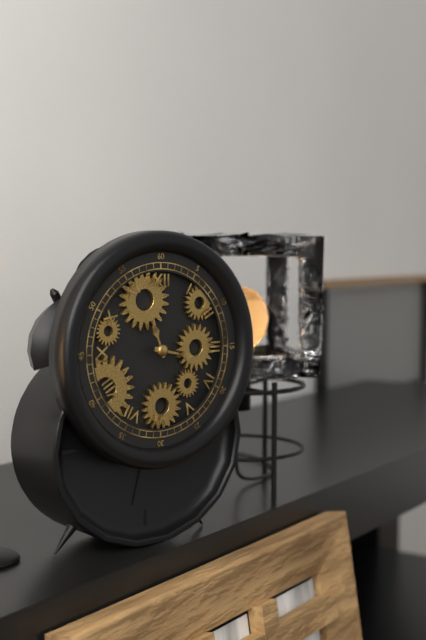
11:17
